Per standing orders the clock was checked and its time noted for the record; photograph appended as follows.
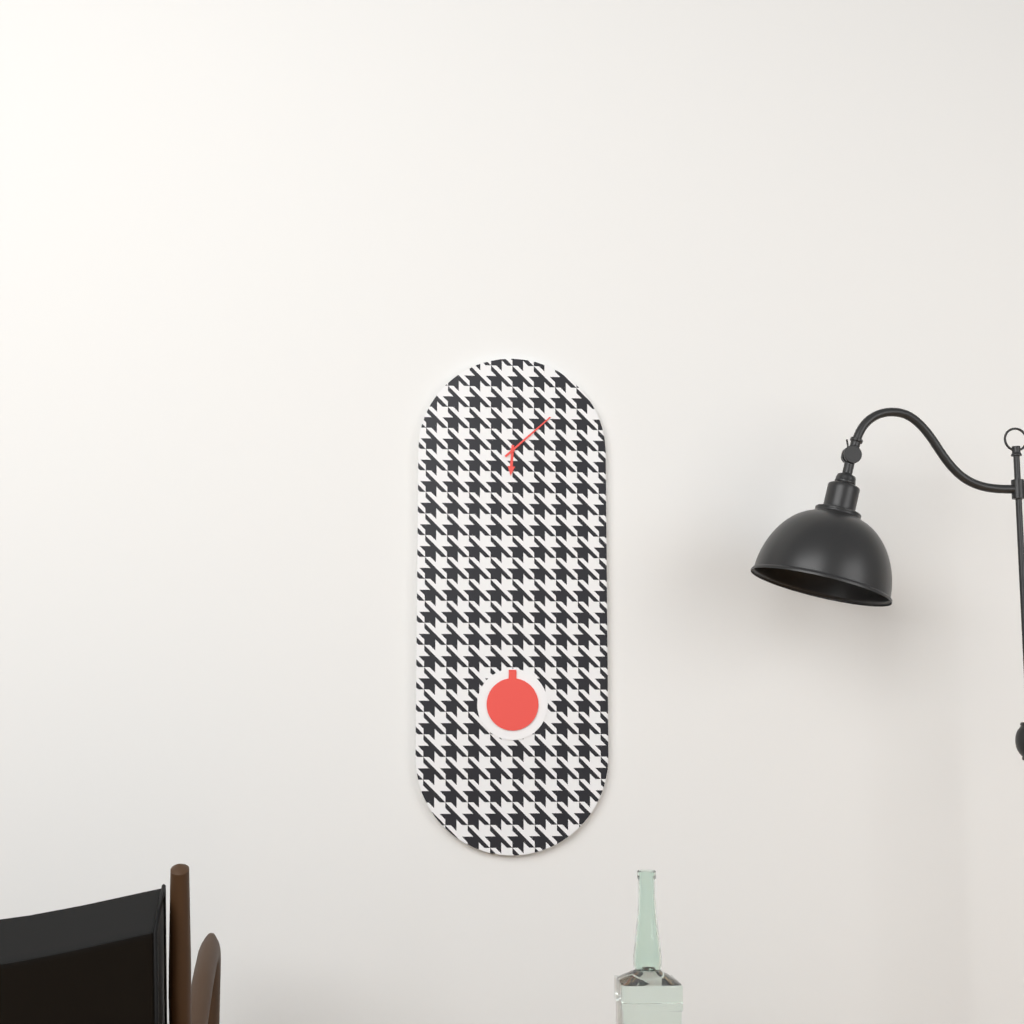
6:08
